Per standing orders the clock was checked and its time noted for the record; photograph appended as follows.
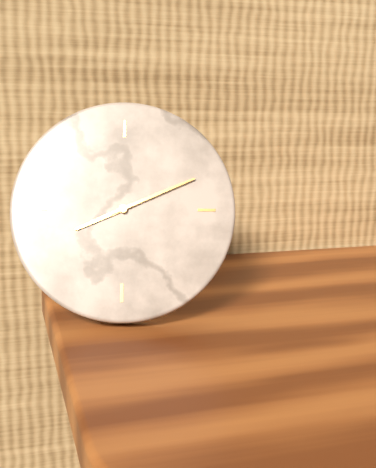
8:11
